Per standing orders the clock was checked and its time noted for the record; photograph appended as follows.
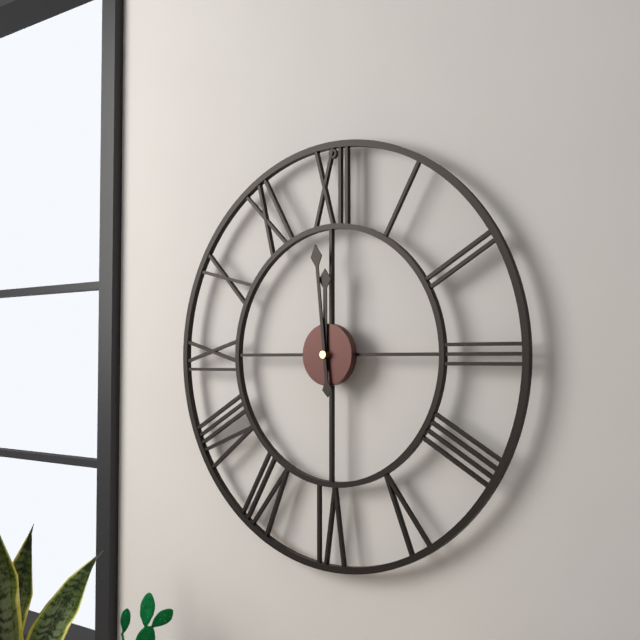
11:59
